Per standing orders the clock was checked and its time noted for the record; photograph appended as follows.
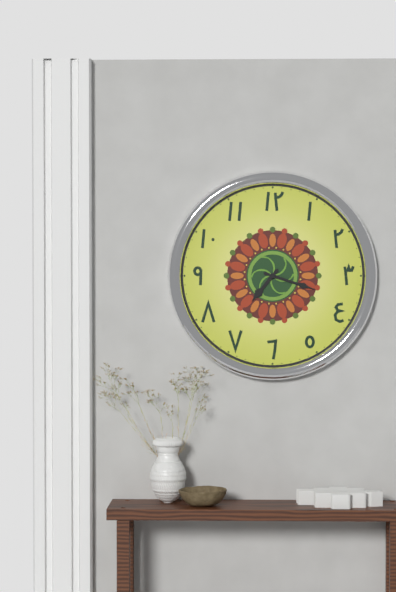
7:18
